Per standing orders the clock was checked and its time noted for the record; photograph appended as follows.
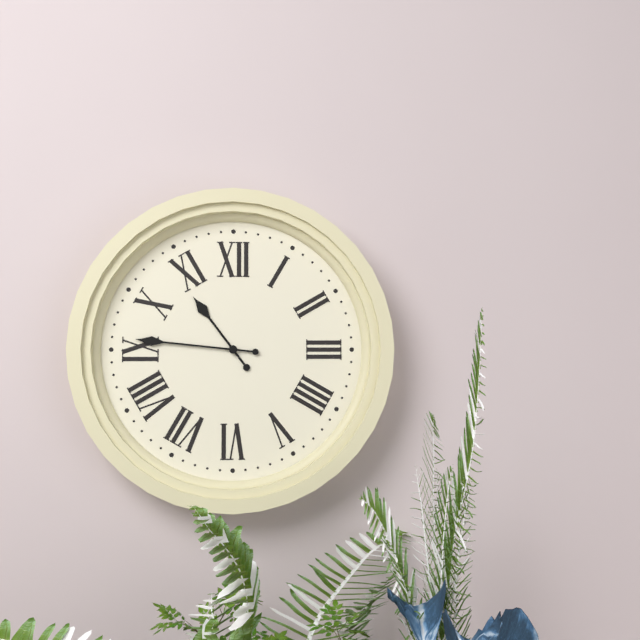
10:46
